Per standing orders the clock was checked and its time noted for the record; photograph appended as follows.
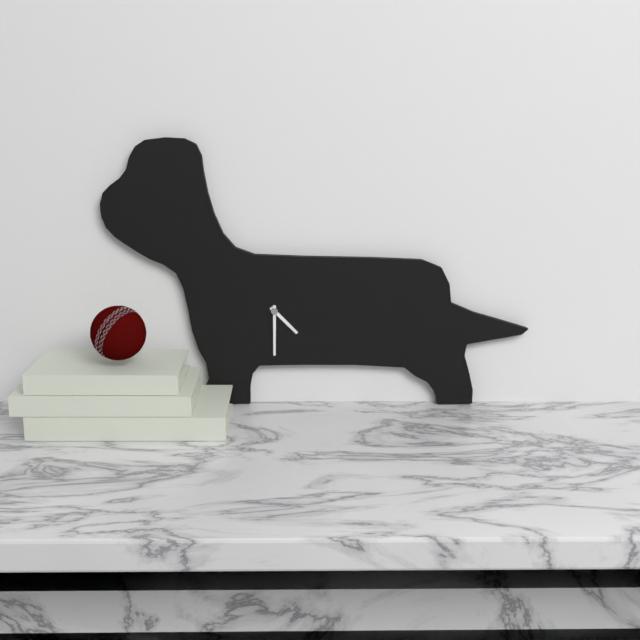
4:30
